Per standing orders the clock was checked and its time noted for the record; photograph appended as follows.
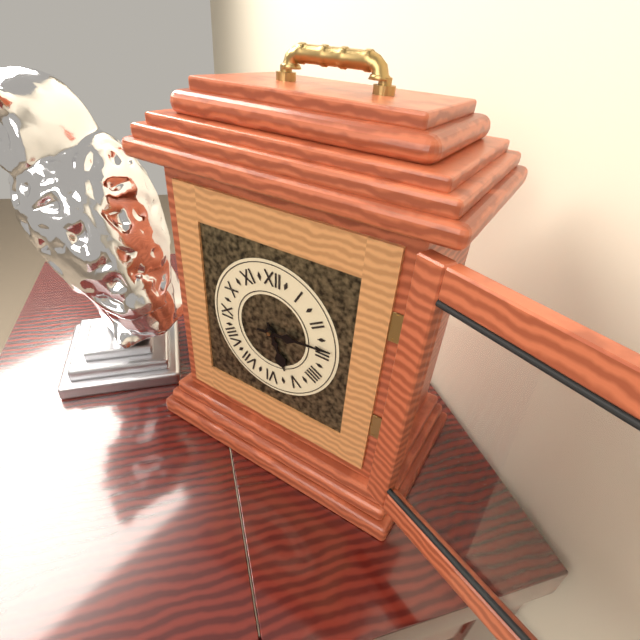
5:14
